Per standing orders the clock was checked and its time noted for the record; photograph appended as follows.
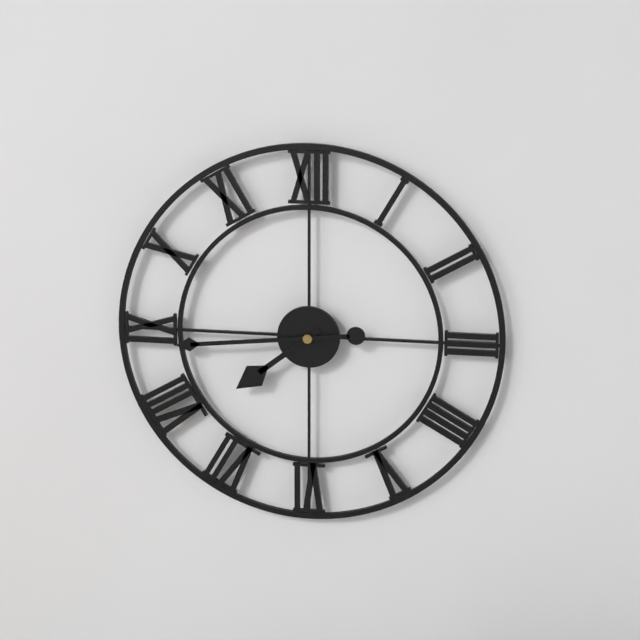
7:44
